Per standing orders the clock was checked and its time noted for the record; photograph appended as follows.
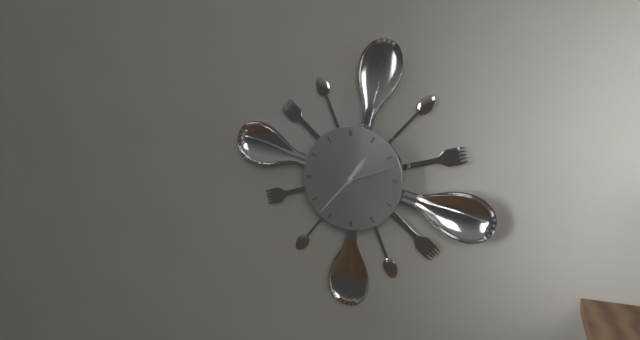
1:12:37
